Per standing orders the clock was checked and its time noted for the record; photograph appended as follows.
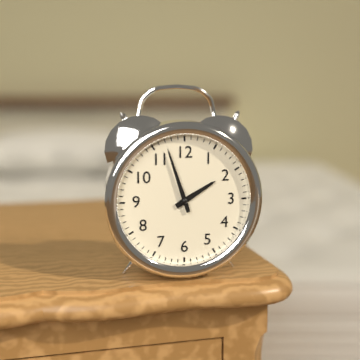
1:57
